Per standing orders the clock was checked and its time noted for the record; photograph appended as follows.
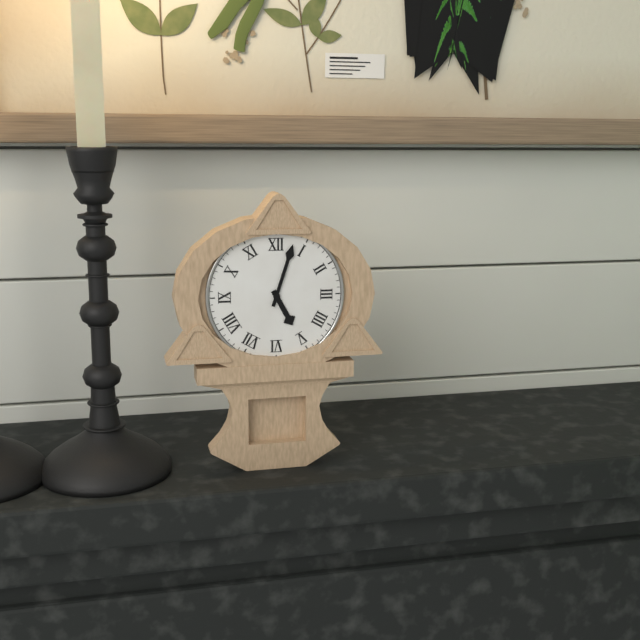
5:03
